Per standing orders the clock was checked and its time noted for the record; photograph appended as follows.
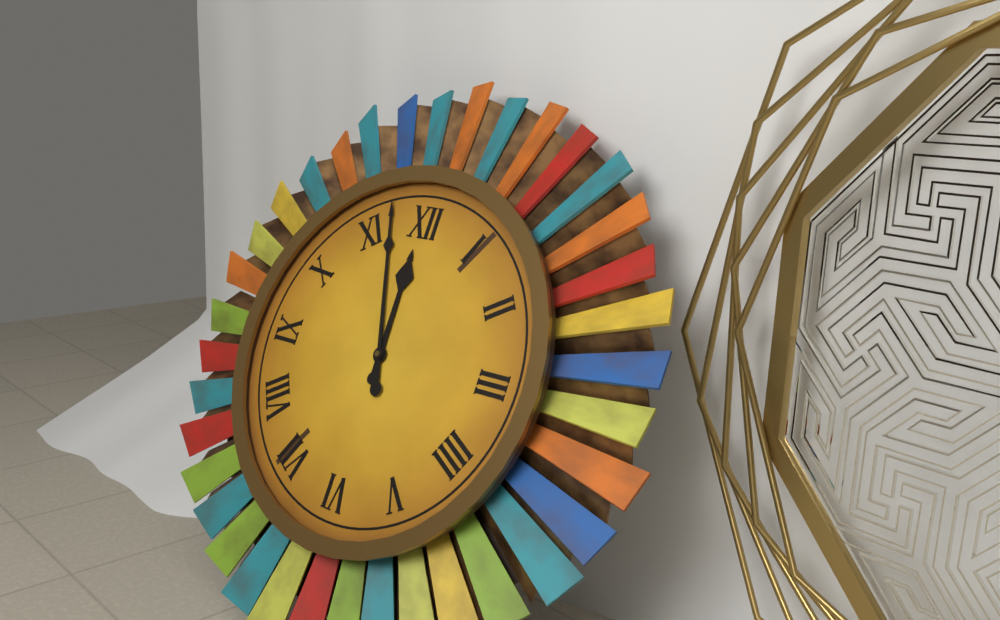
11:57
